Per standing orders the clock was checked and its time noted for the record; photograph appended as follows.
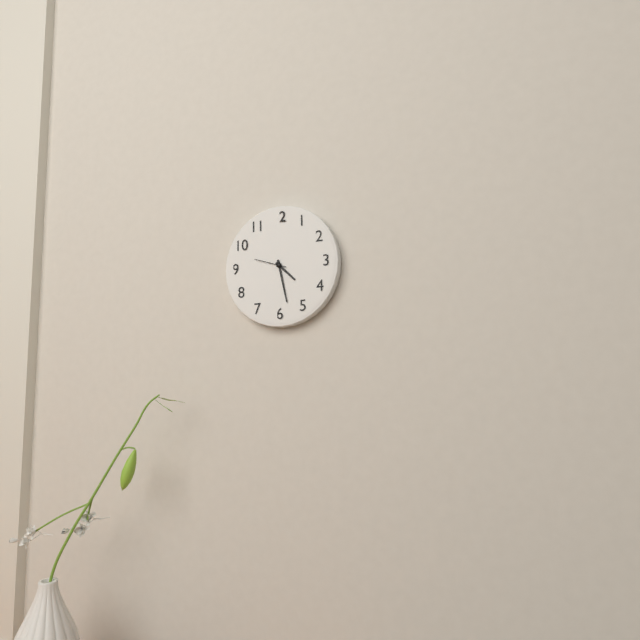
4:28
